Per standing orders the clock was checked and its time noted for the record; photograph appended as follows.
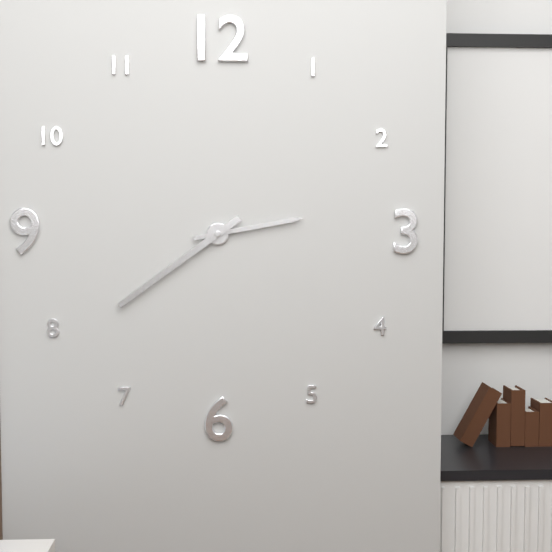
2:39
